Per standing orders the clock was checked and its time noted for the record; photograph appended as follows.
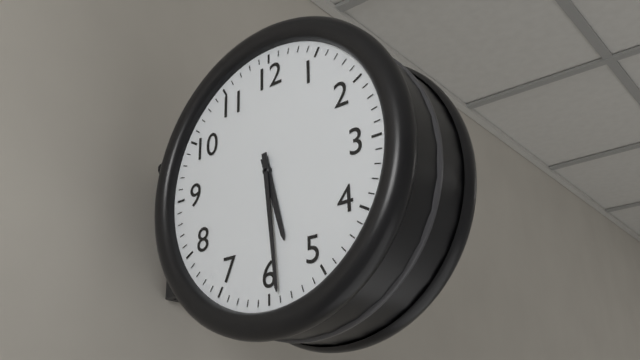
5:29
